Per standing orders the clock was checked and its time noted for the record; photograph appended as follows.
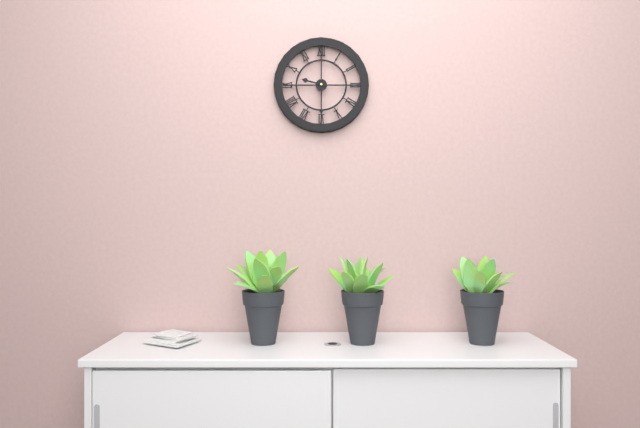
9:30
